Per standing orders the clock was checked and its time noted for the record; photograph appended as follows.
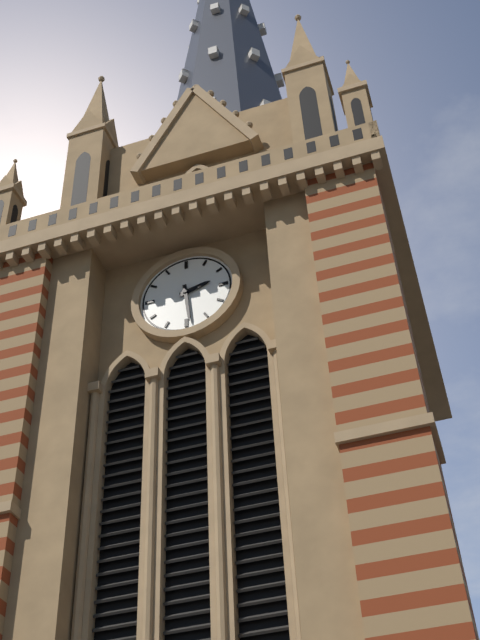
2:29
